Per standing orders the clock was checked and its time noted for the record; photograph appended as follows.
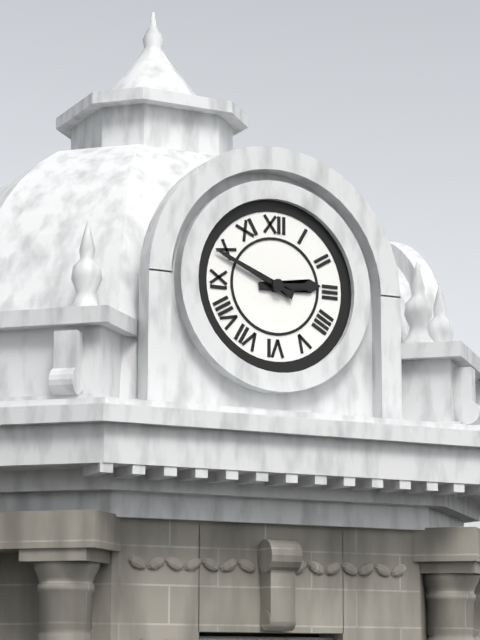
2:49
